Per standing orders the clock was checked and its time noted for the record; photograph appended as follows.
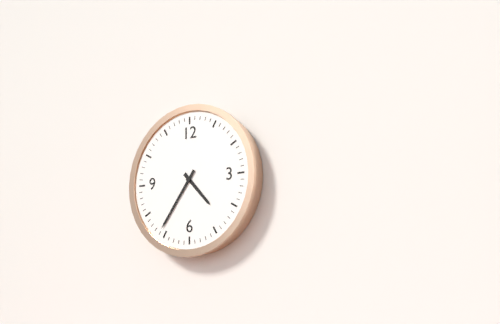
4:36
